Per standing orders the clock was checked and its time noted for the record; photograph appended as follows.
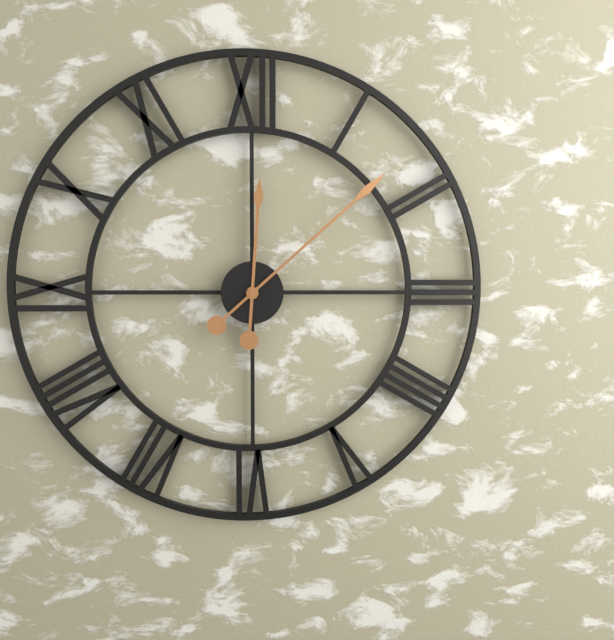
12:08
